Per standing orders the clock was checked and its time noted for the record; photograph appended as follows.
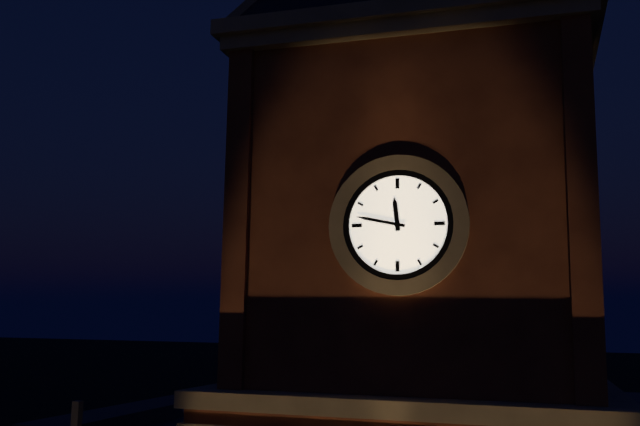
11:47
